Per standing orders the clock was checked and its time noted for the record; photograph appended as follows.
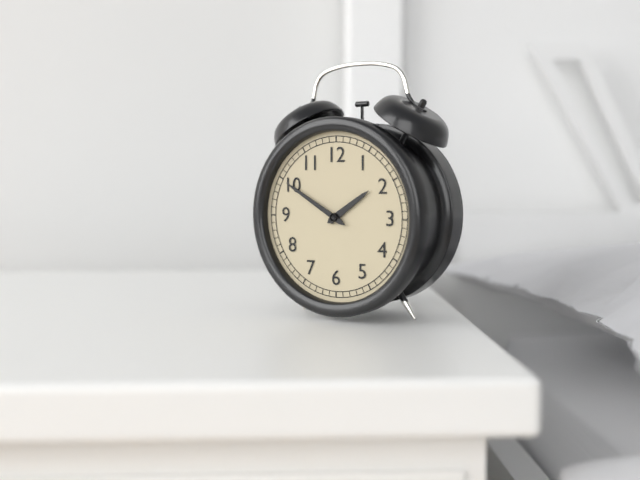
1:50
